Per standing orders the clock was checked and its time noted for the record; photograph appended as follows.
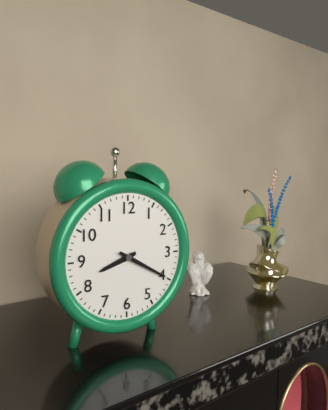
8:20
